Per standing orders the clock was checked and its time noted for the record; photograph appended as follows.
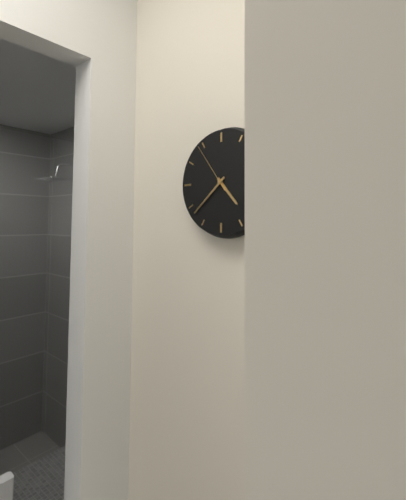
4:38:54
